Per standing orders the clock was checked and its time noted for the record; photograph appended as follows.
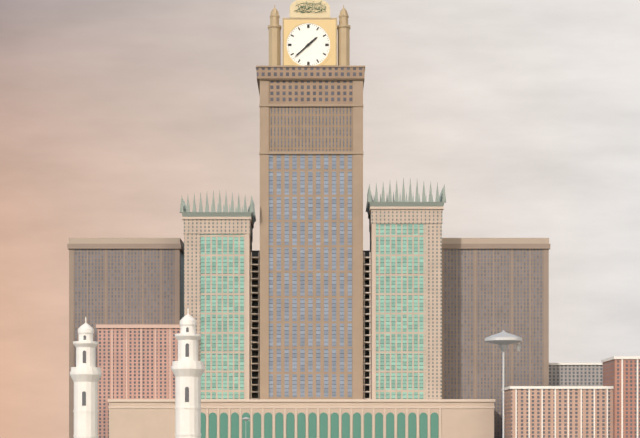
1:38
